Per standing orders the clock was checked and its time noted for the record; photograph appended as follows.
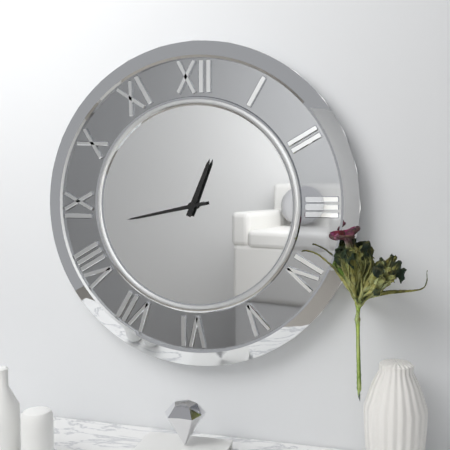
12:43
